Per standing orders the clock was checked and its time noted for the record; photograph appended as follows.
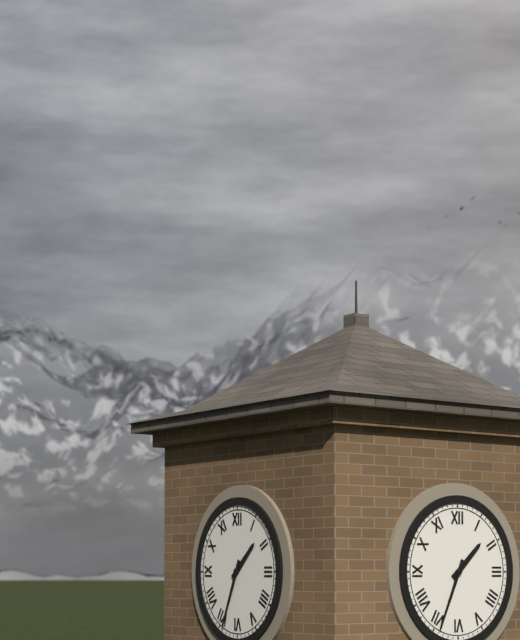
1:34
